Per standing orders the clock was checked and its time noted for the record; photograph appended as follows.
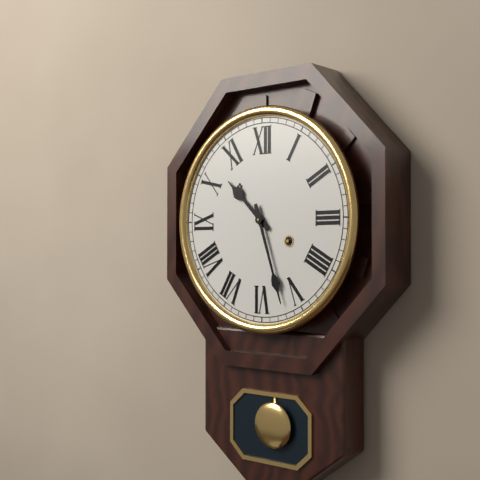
10:27
